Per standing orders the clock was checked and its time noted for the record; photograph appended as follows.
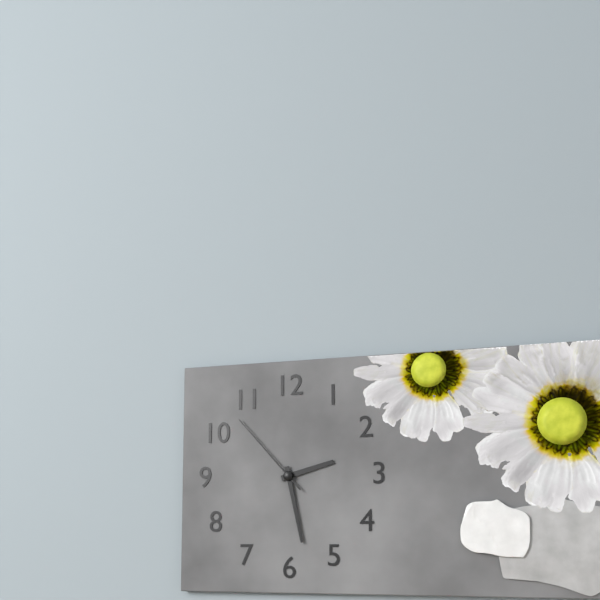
2:28:53
